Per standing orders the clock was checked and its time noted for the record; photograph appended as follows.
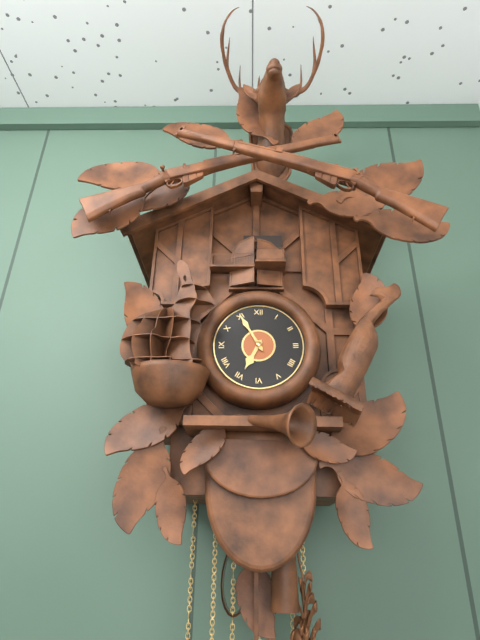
6:55
